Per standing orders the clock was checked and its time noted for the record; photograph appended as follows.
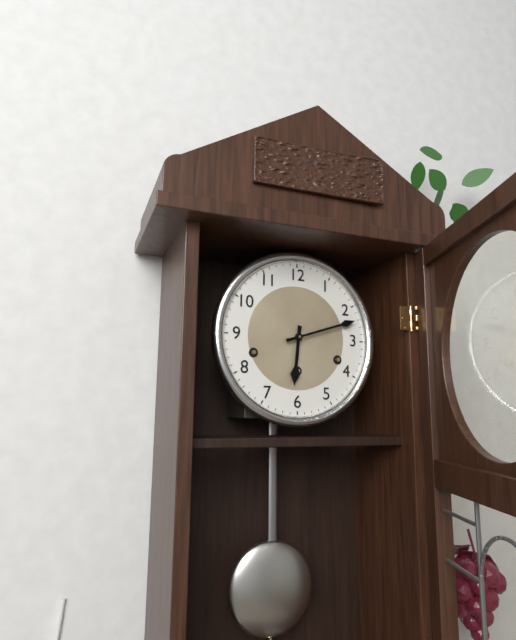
6:12
